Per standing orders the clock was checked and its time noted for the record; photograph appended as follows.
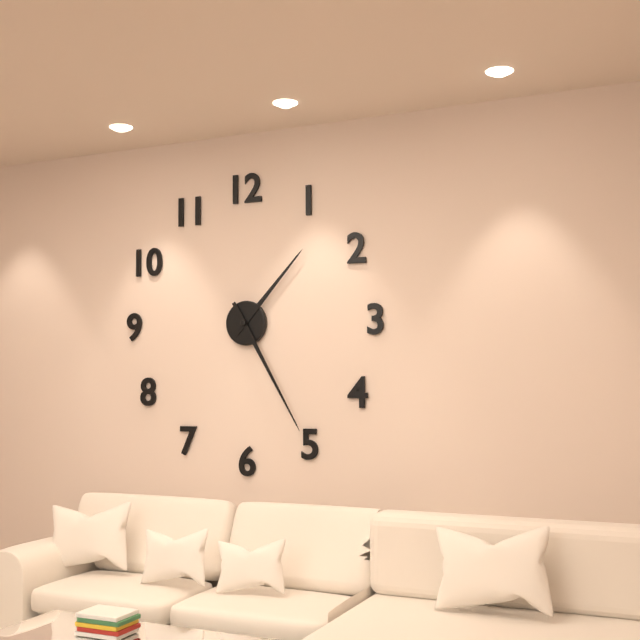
1:25
